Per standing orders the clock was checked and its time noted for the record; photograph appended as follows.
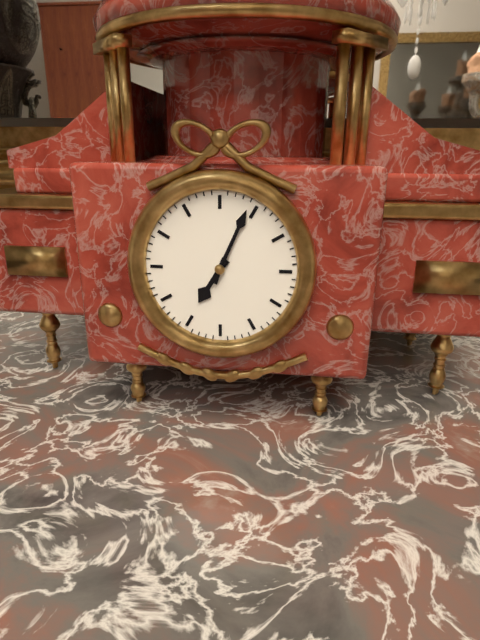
7:04
